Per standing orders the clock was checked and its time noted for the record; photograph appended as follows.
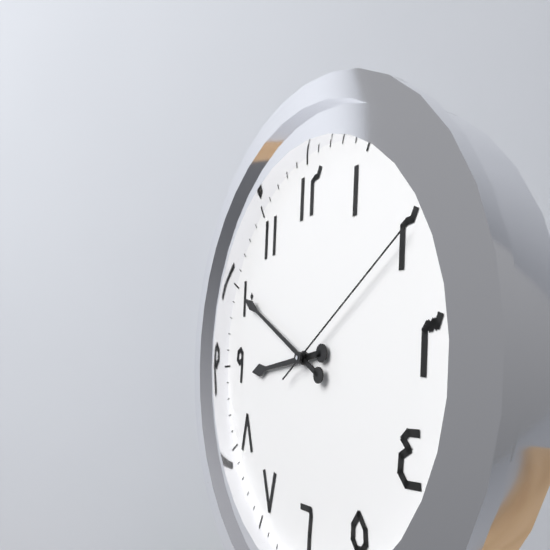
8:50:10
